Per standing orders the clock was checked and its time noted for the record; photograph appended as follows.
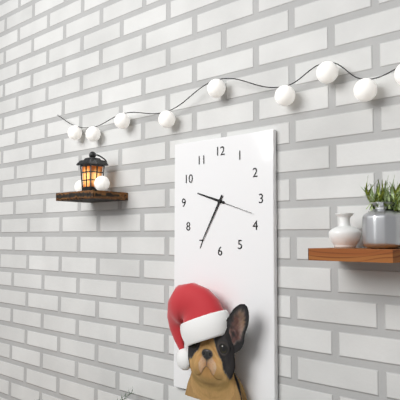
9:35
